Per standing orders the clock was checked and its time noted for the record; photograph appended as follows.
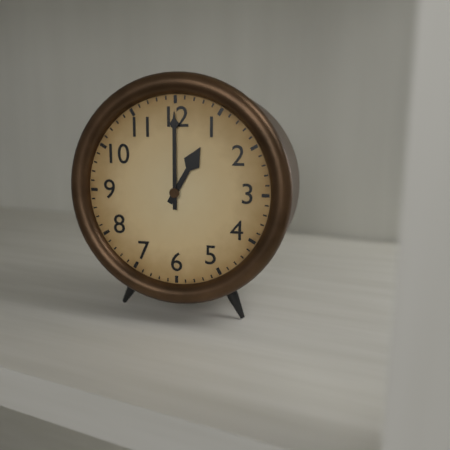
1:00
